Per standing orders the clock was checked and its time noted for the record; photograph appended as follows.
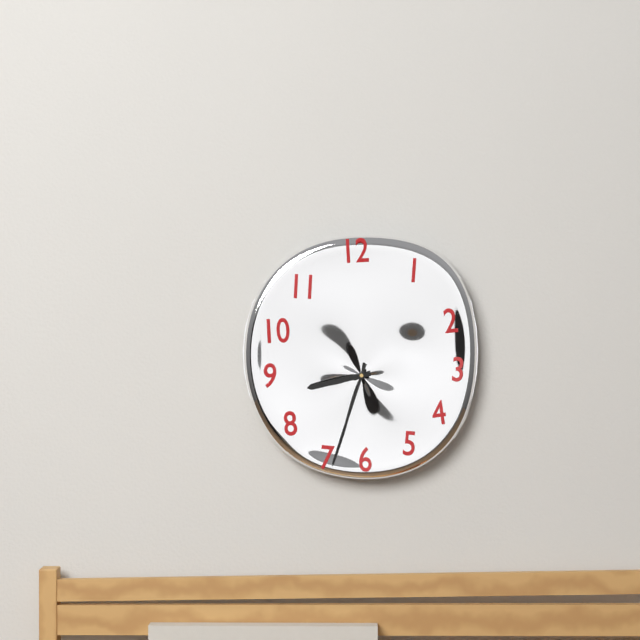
8:33
